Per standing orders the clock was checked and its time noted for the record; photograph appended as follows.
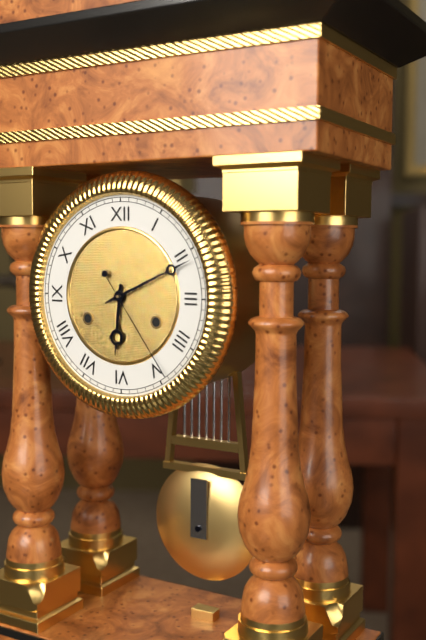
6:11:24
